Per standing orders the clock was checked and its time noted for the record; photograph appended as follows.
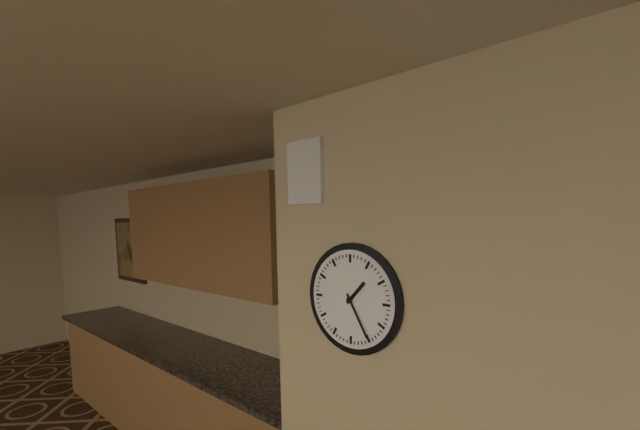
1:25
